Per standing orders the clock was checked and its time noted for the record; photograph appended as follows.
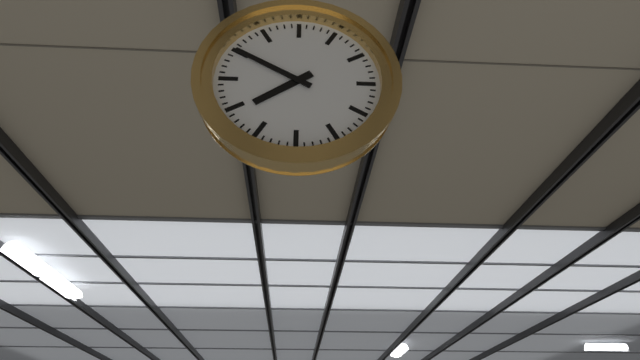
7:50
